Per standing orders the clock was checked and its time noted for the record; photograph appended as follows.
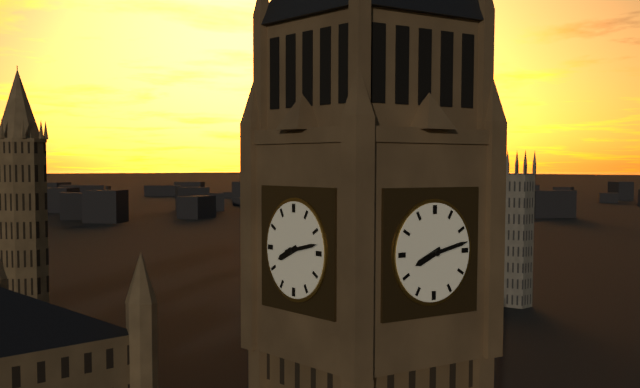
8:13
